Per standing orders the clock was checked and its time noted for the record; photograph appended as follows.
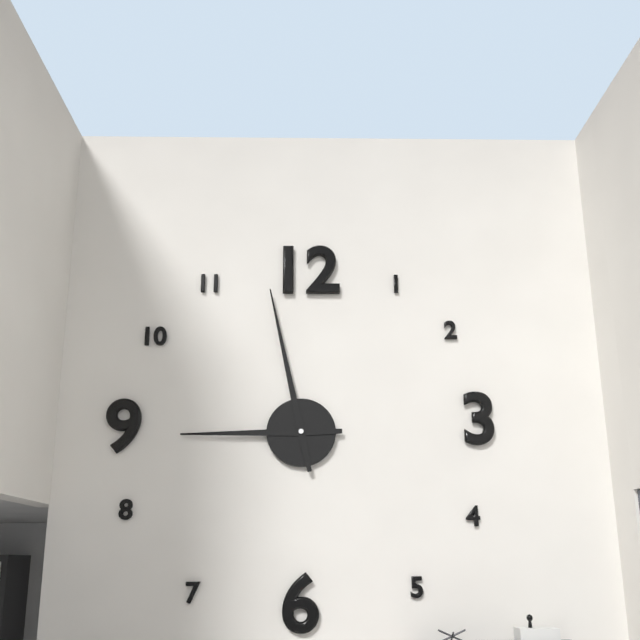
8:58
